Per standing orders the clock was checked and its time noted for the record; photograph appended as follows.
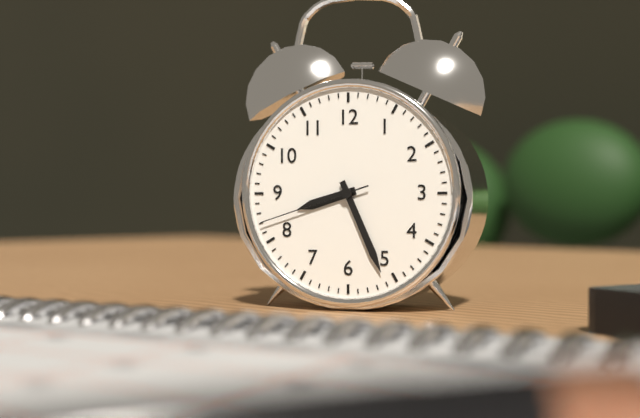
8:26:42
